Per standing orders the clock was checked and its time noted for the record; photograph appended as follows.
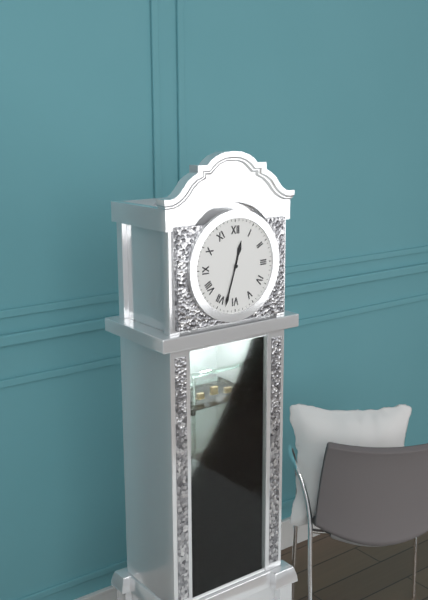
12:33
